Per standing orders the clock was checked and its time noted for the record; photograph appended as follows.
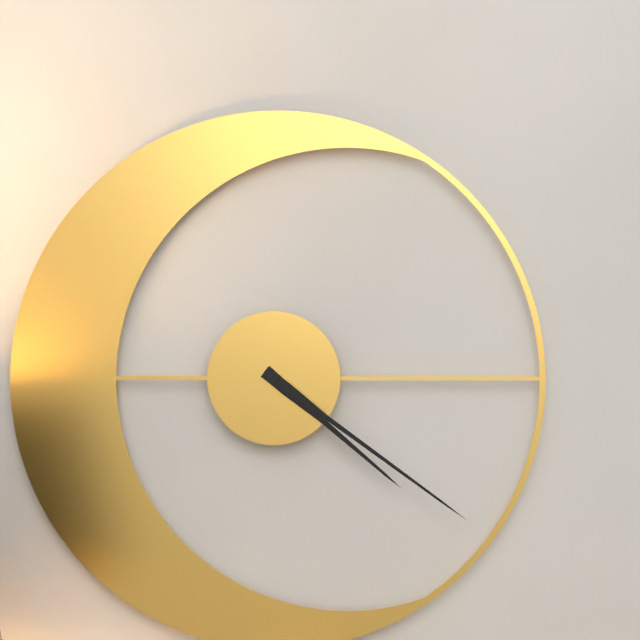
4:21
